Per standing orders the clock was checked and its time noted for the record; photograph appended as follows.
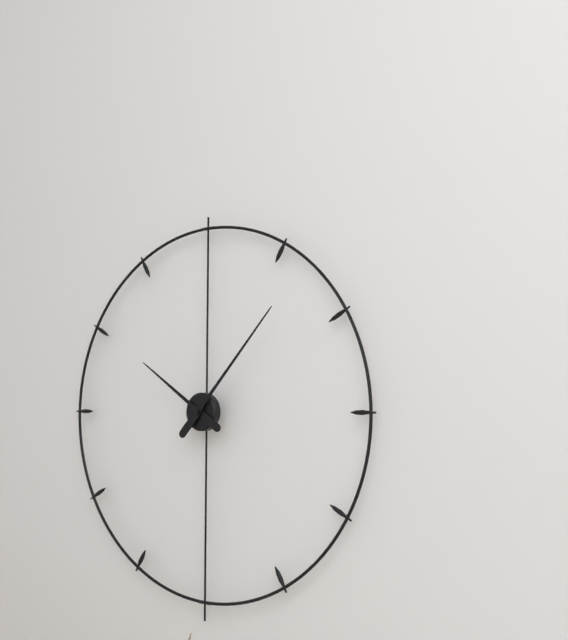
10:07
